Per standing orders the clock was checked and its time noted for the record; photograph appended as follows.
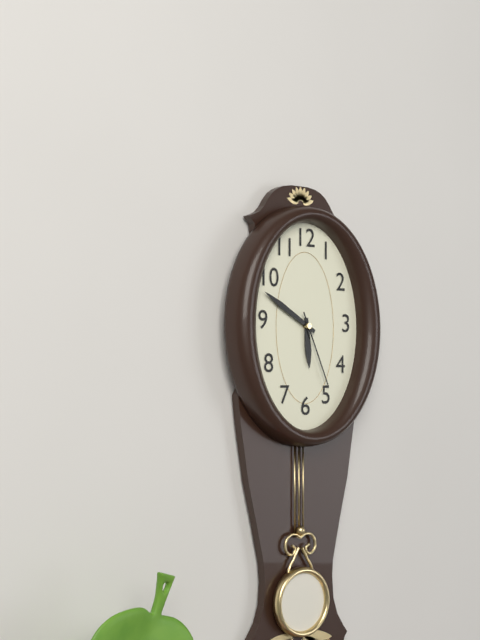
5:50:26
